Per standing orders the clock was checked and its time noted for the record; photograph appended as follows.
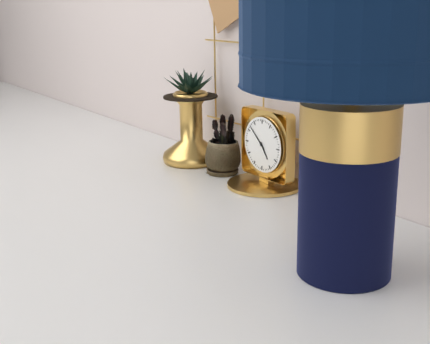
4:52
